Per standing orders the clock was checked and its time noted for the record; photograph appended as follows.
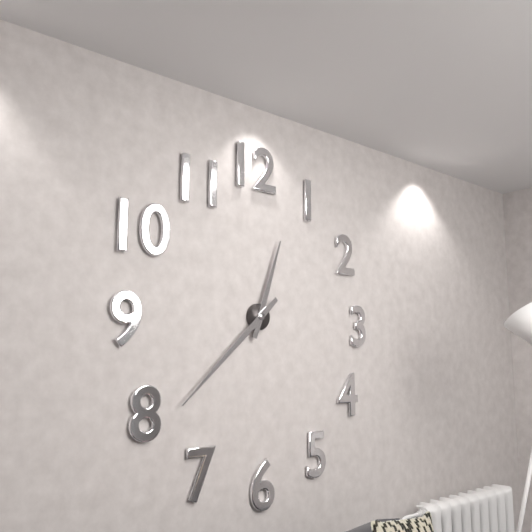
12:38
